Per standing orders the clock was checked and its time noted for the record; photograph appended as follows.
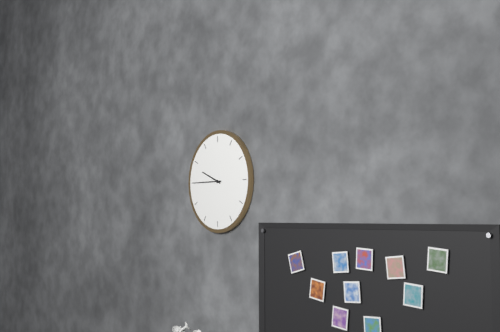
9:45
